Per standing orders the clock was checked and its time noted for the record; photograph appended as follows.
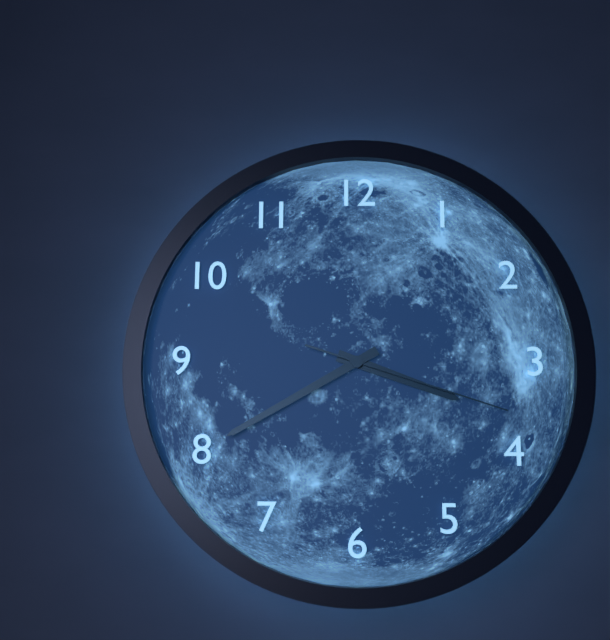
3:40:18
